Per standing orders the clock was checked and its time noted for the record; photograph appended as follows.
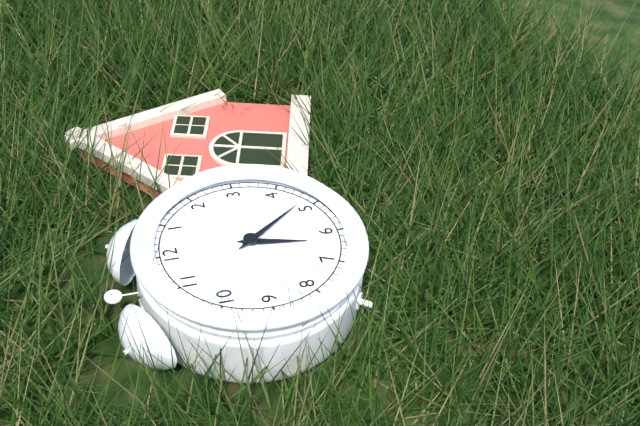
6:24
